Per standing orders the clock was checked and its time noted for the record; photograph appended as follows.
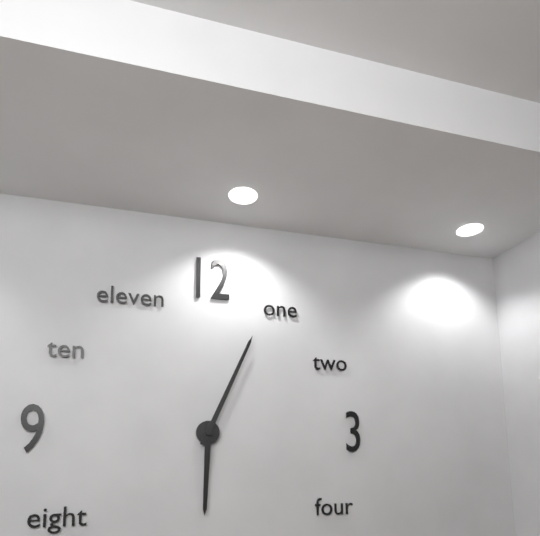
6:04
